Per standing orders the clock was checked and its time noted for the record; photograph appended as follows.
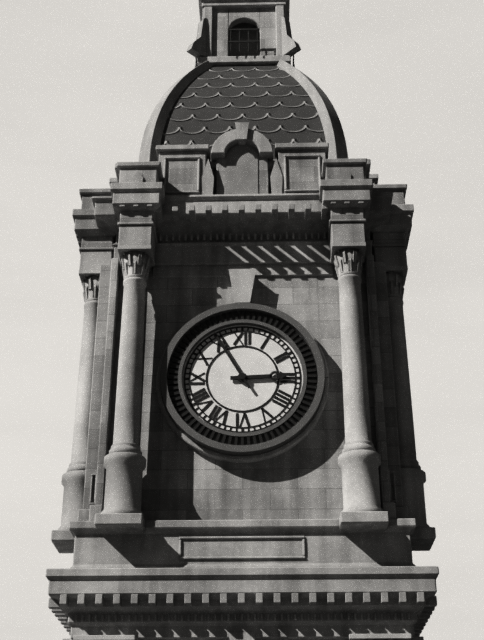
2:55
